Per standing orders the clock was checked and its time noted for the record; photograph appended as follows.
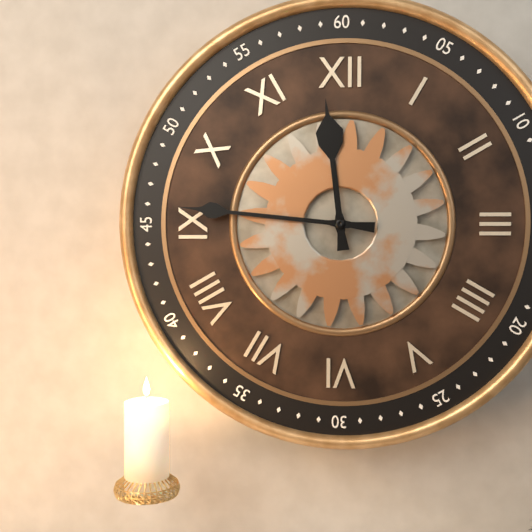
11:46
